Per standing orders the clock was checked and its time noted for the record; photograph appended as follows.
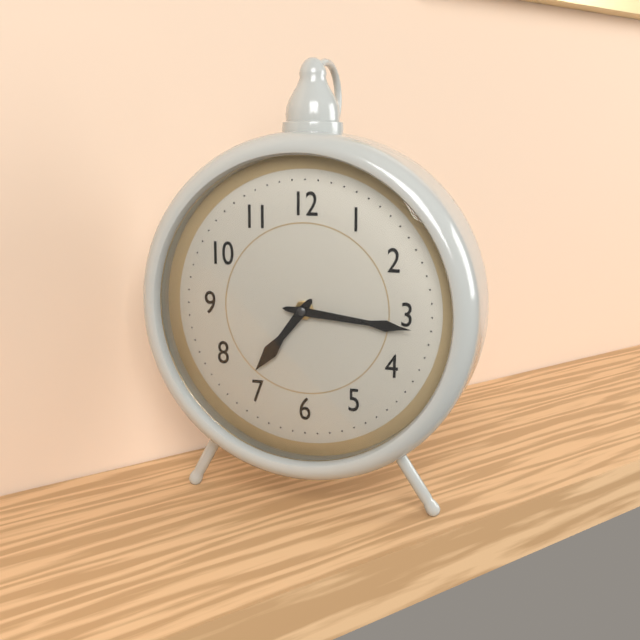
7:16
